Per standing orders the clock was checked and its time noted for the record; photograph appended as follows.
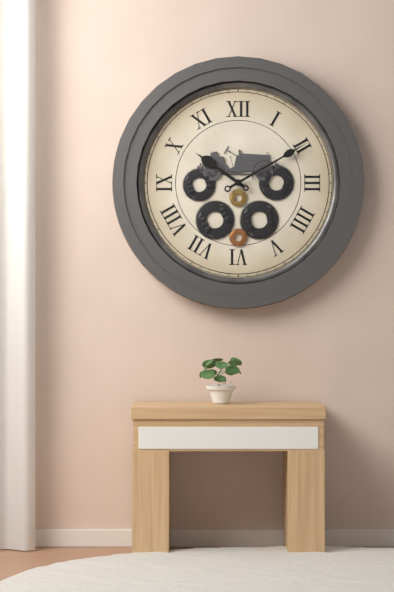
10:10
